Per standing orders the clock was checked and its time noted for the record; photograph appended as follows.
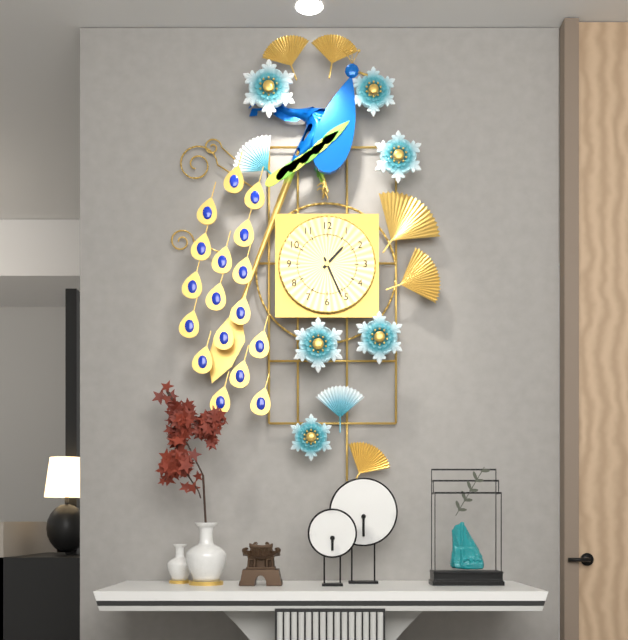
1:26
